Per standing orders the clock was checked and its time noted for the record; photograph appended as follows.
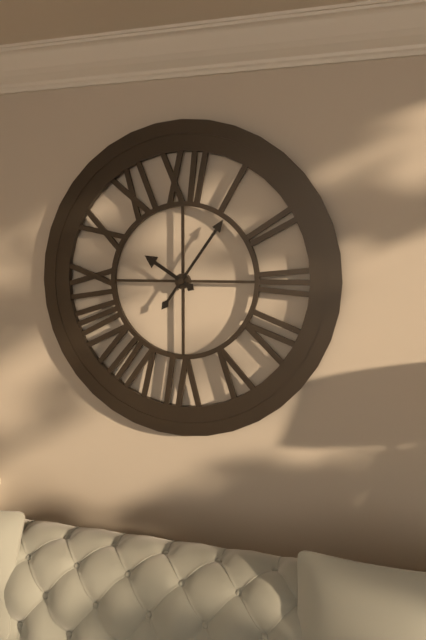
10:06
